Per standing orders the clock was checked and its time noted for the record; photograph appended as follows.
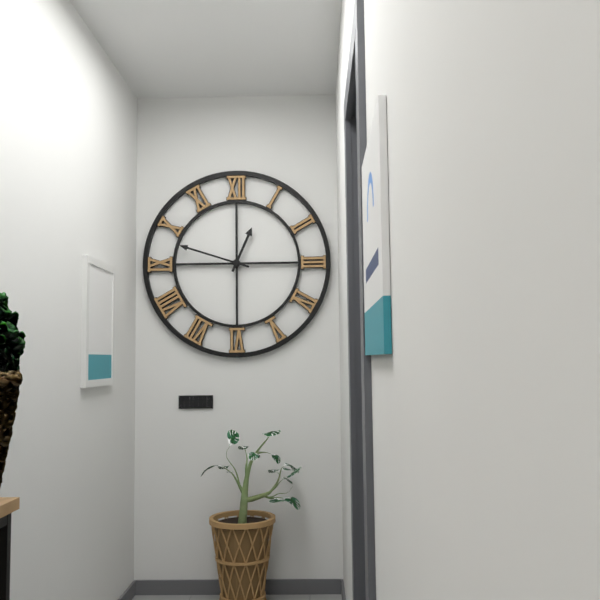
12:48
